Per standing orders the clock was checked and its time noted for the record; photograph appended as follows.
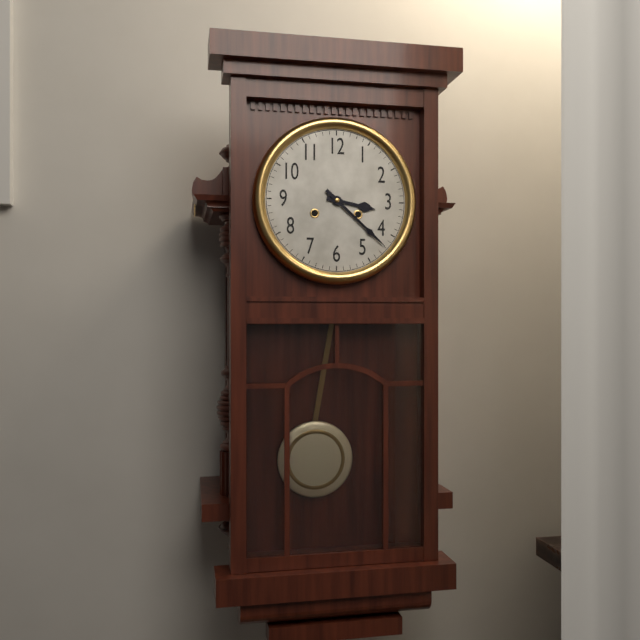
3:22
